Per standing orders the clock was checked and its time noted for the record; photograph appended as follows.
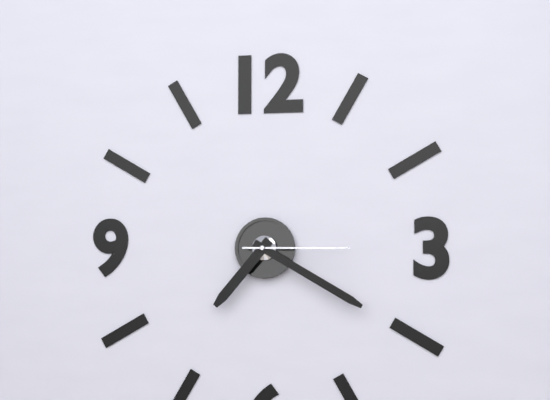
7:20:15
